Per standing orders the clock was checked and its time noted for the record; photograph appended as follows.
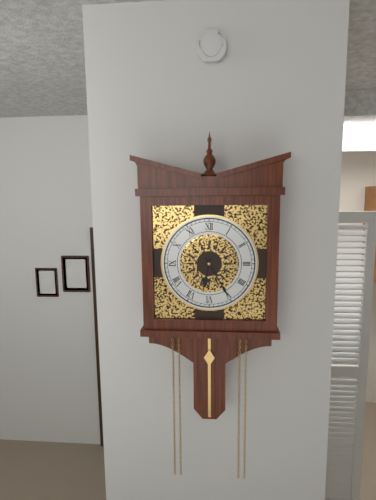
6:25
